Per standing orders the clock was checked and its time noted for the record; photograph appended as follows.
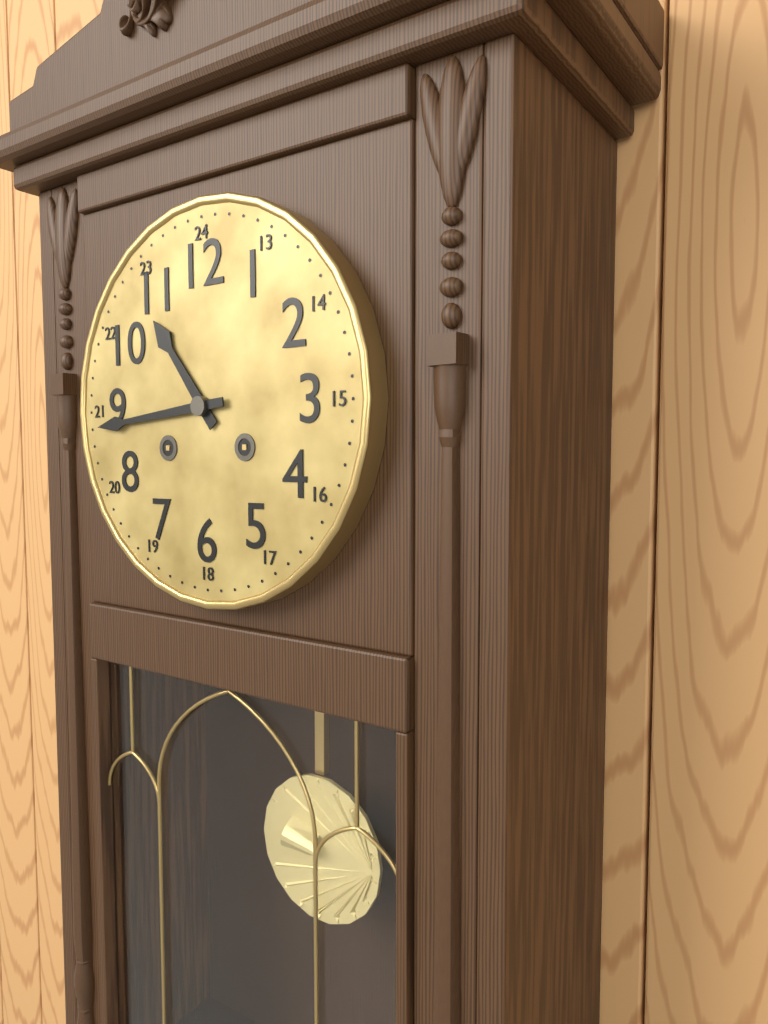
10:44
